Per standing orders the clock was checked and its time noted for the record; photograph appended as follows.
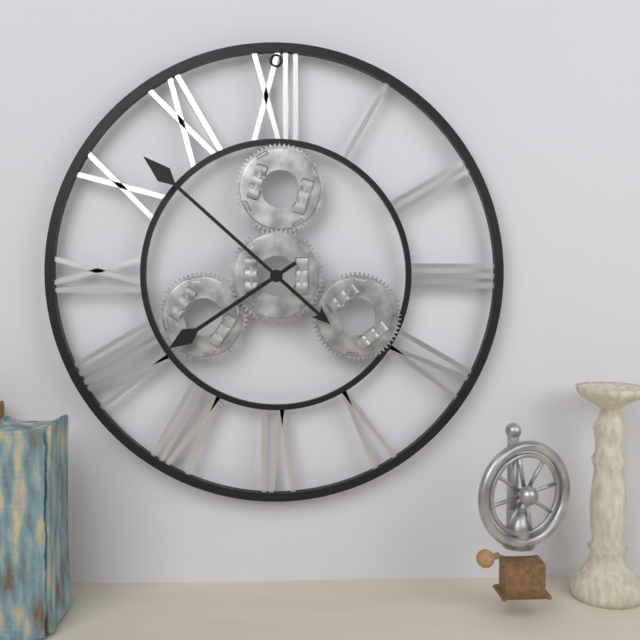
7:52
